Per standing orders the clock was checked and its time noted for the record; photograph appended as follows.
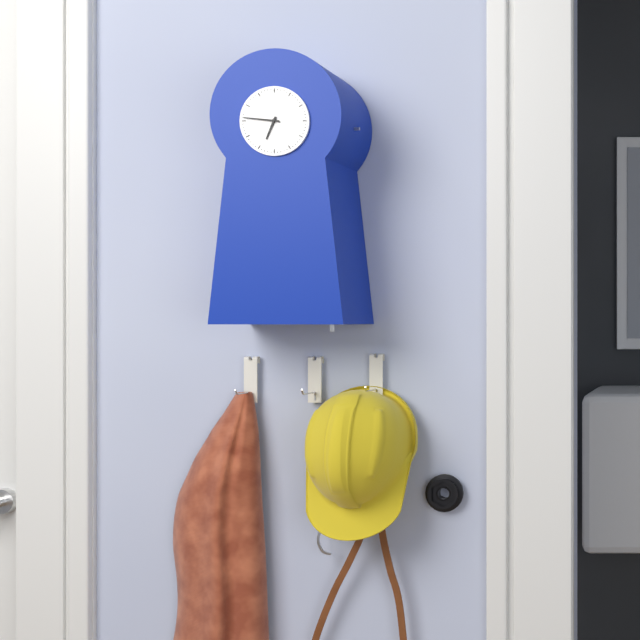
6:46
